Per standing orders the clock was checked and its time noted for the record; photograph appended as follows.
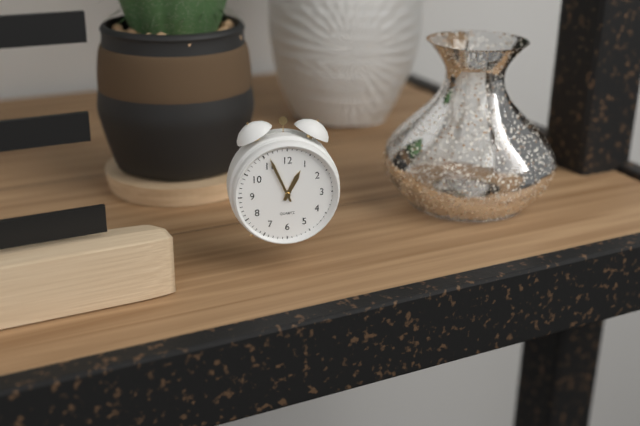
12:56
